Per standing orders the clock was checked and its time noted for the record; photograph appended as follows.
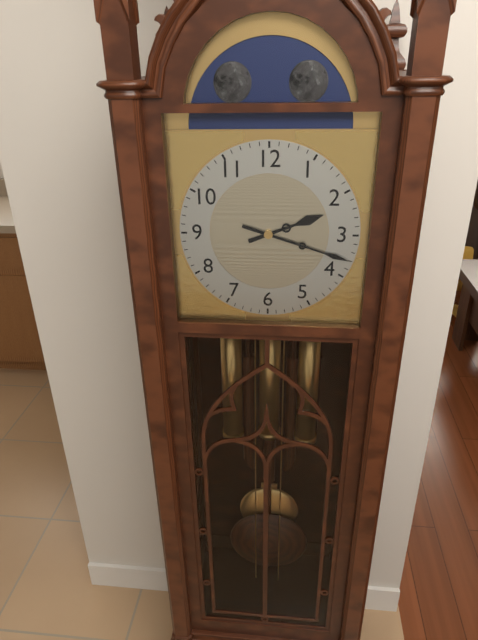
2:18
